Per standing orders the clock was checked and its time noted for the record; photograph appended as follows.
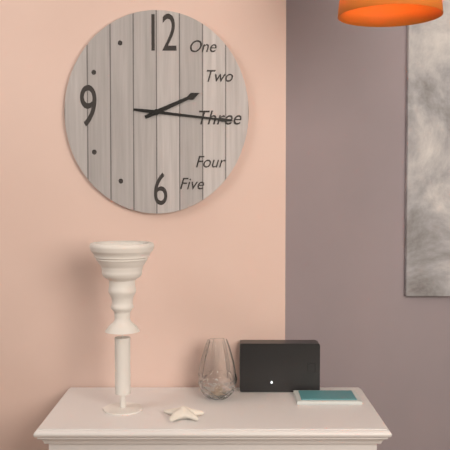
2:16
